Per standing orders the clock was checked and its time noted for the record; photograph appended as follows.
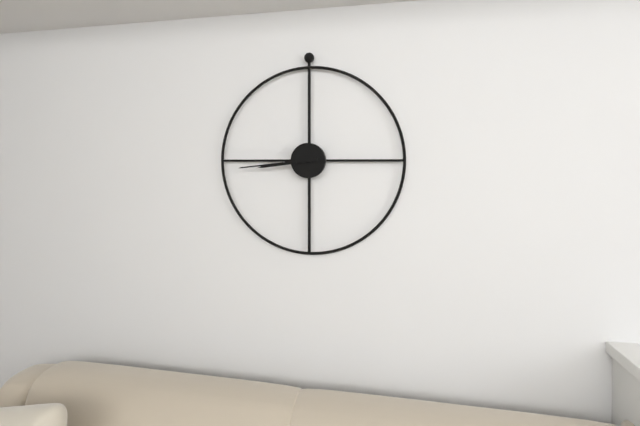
8:44
